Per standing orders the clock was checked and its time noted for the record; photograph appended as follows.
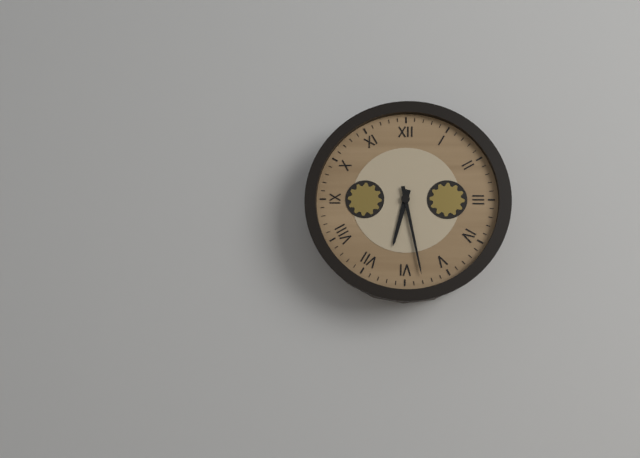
6:28
